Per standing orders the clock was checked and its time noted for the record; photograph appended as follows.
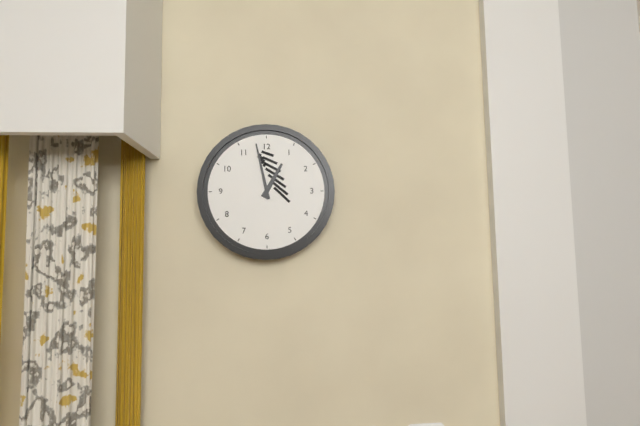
12:58
